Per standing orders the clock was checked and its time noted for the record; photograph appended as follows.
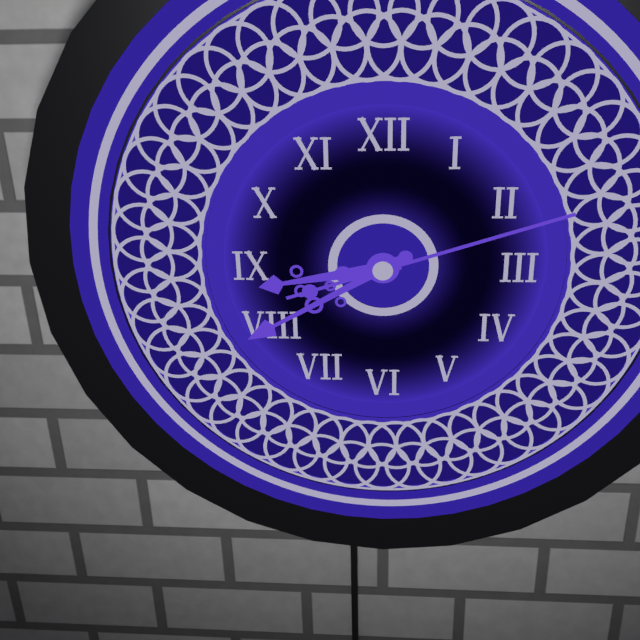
8:40:12
